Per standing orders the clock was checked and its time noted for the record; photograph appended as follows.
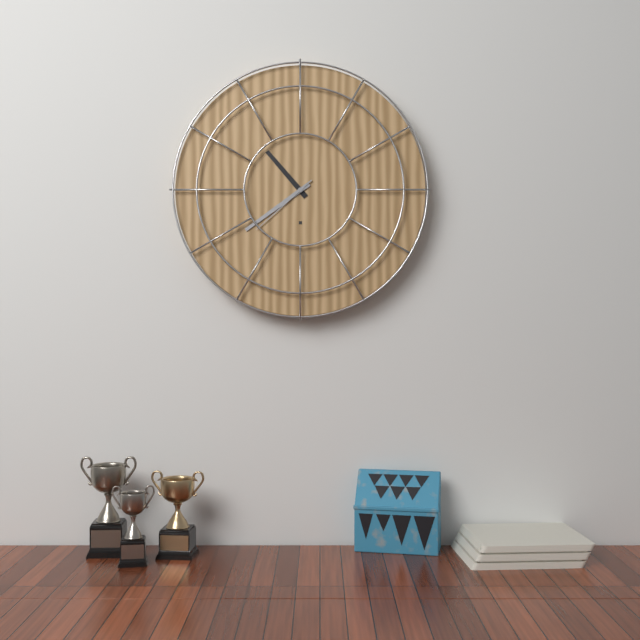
10:39:38
